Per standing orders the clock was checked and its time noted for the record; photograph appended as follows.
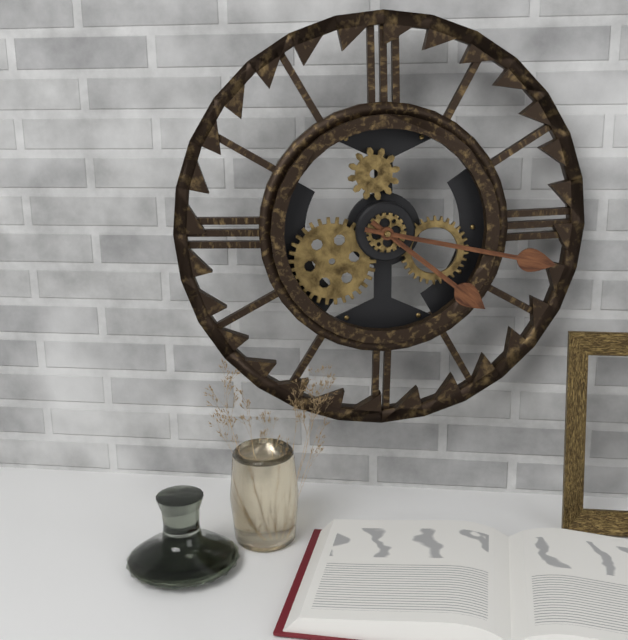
4:17
